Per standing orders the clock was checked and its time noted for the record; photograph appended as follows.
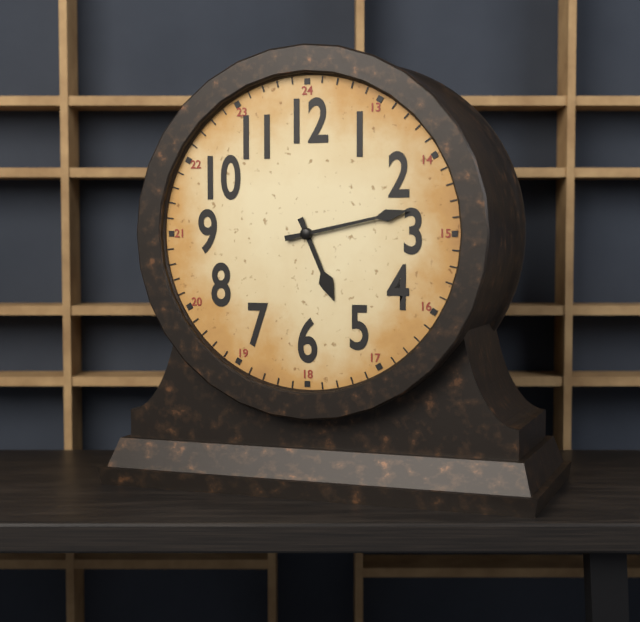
5:13
